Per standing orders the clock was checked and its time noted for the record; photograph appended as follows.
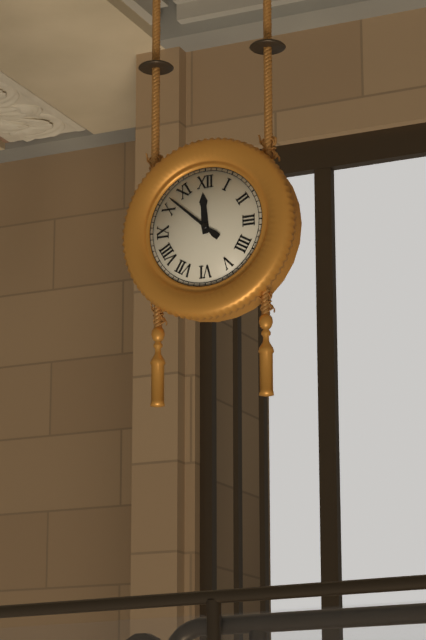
11:52
